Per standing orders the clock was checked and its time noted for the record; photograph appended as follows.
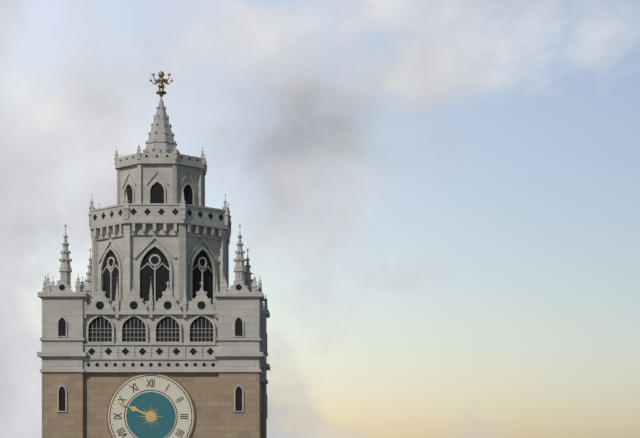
9:49
